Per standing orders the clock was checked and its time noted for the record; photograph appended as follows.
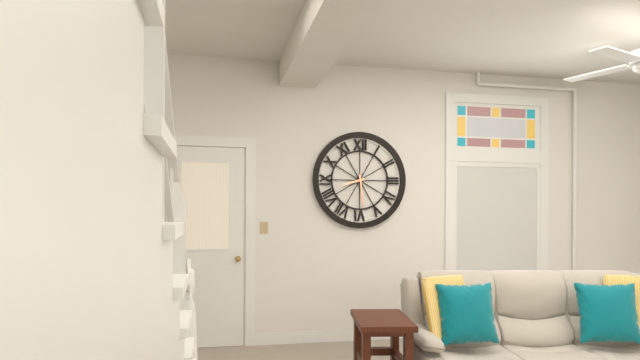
8:29
